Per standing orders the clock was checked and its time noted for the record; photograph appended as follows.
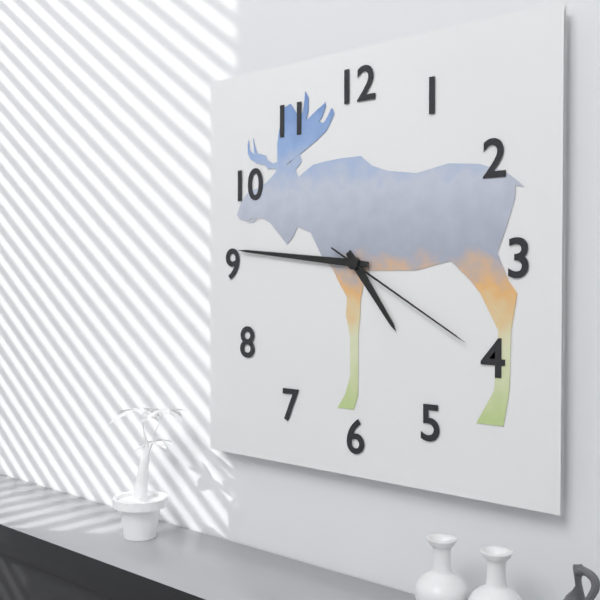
4:46:20
